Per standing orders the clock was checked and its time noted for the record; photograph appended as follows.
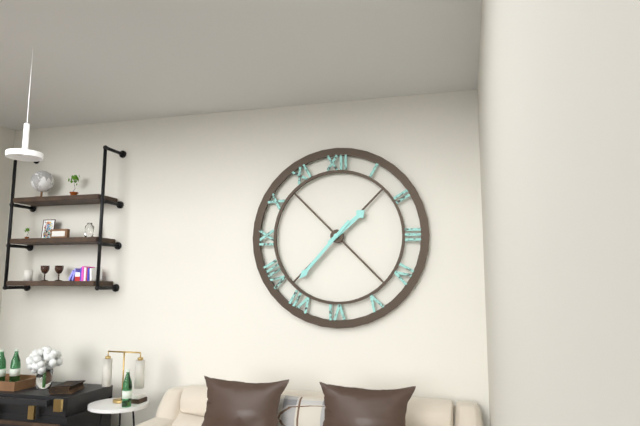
1:37
